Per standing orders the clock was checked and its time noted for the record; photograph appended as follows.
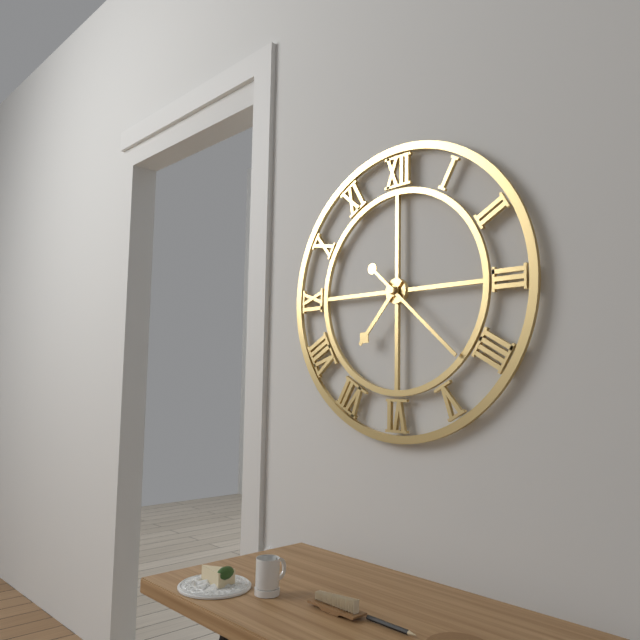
7:22
